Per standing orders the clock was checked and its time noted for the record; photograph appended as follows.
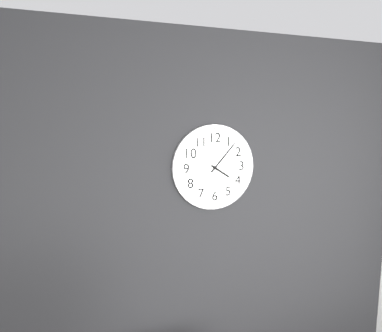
4:07
